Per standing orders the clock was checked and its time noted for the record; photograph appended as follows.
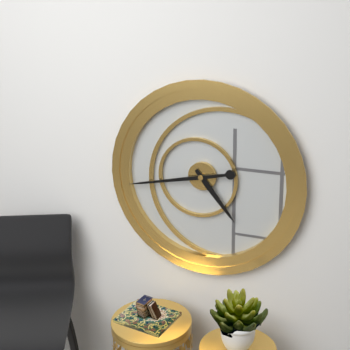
4:43
